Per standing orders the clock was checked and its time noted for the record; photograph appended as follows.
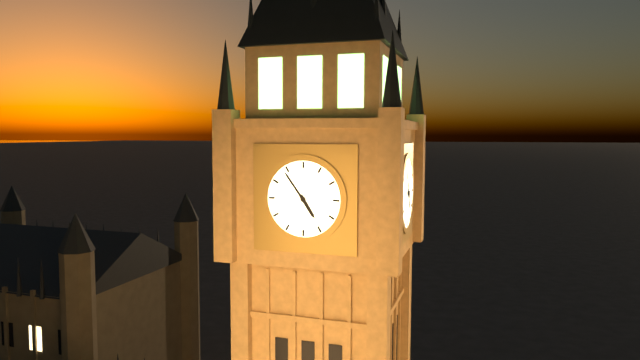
4:54
